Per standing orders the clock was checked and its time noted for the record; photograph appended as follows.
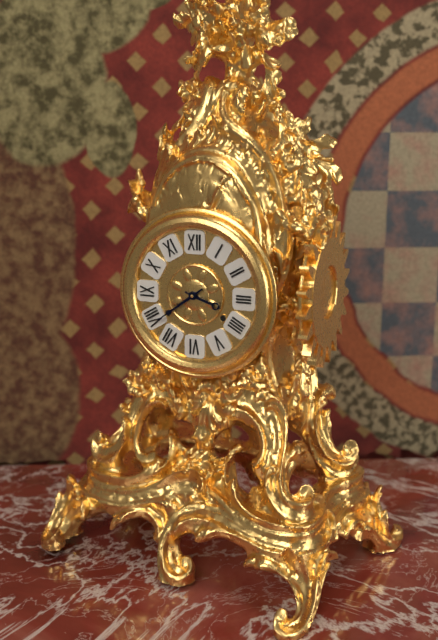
3:39
